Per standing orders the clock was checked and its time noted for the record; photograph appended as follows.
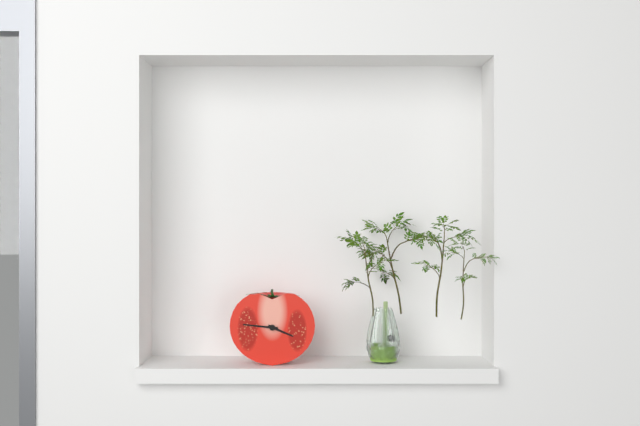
3:46
